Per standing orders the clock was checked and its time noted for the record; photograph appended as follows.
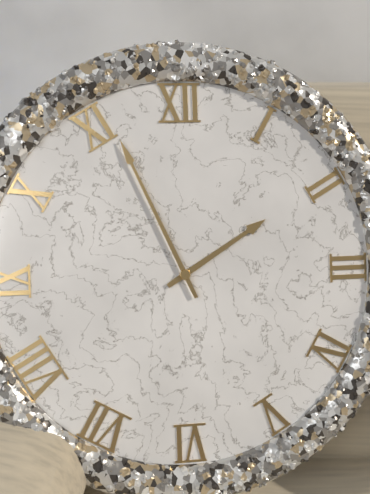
1:56
